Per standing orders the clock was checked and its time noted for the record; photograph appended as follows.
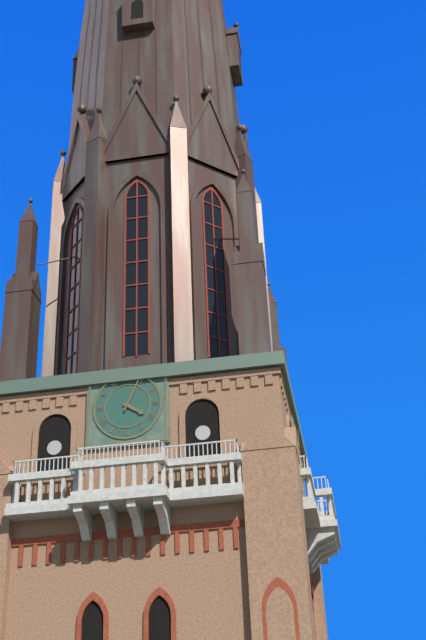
4:04
